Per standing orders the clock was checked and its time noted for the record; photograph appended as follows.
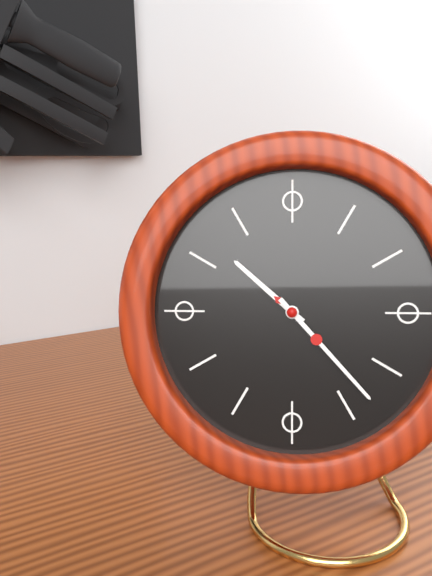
10:23
